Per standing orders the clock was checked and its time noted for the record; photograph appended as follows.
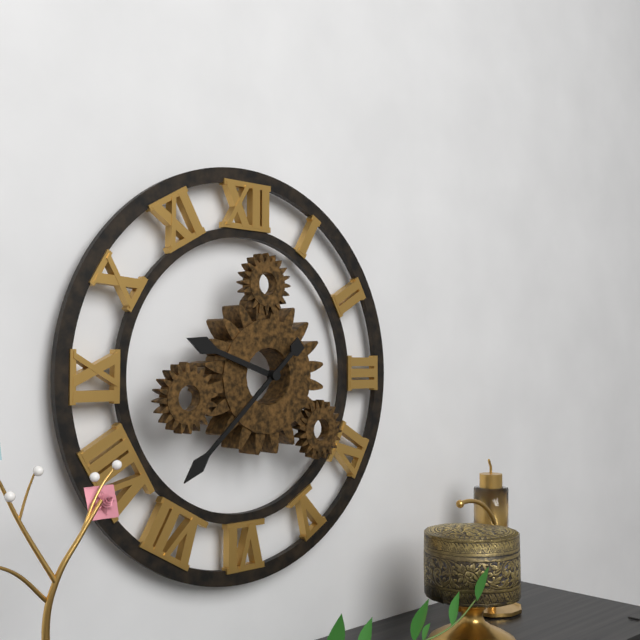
9:38
